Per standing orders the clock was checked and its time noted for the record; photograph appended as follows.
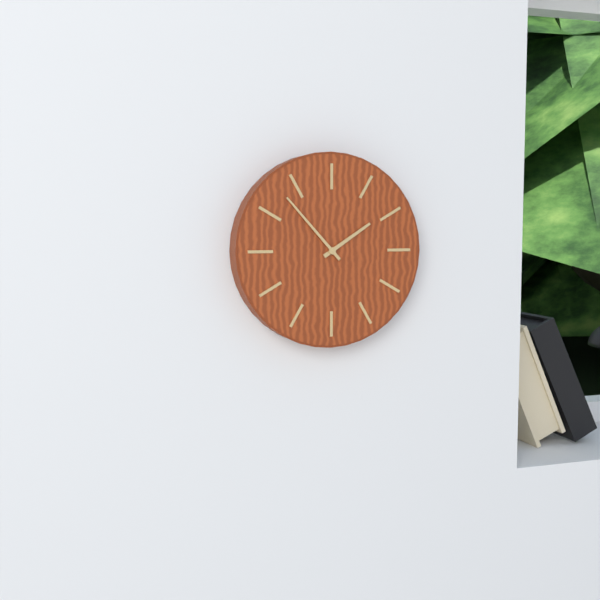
1:53
